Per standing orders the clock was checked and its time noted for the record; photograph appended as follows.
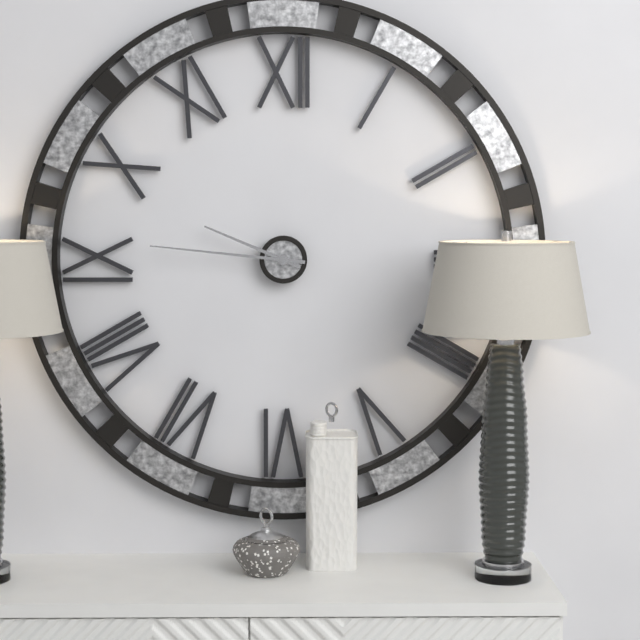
9:46
